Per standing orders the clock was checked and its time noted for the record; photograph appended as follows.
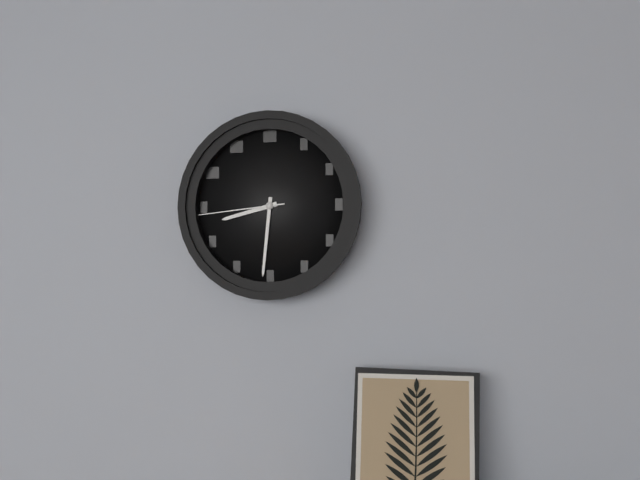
8:31:44
